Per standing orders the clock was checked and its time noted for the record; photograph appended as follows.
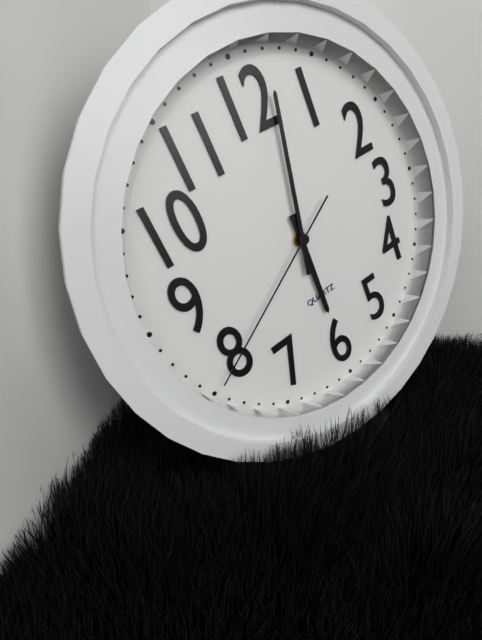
6:02:40
